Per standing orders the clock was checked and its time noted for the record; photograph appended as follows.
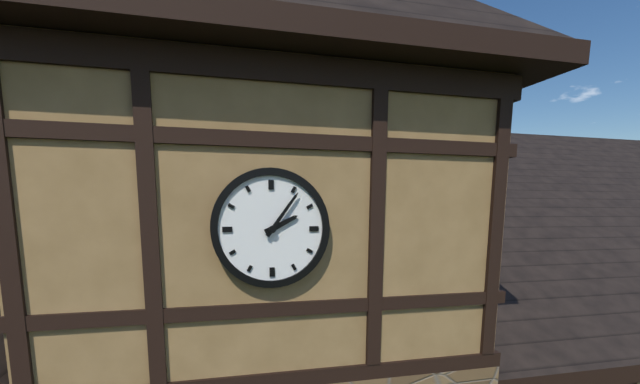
2:06
